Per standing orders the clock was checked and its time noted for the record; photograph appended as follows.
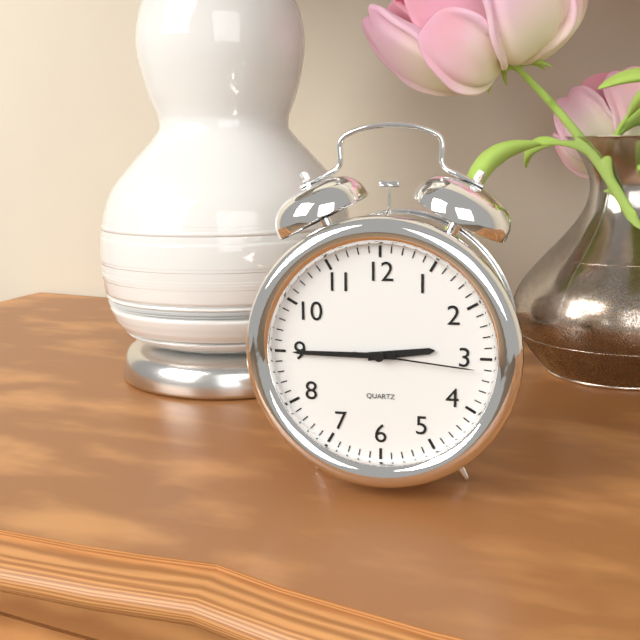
2:45:16
